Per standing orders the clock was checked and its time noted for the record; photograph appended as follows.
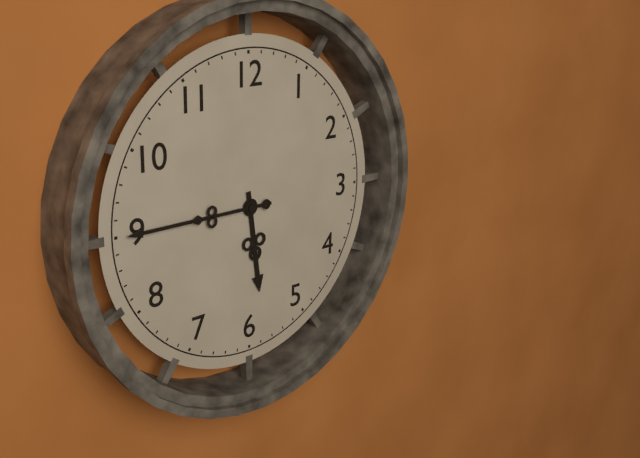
5:45
